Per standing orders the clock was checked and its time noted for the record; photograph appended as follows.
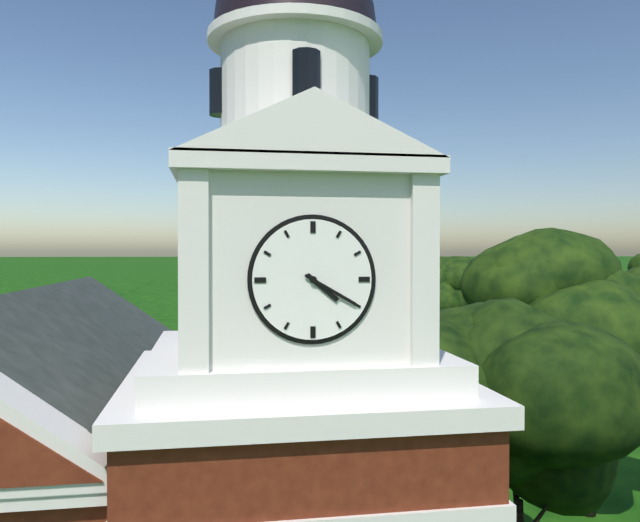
4:20
